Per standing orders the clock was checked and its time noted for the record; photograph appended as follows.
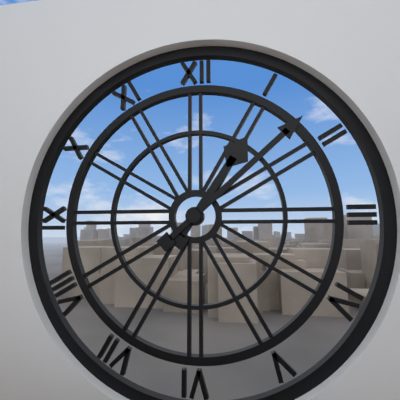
1:08
